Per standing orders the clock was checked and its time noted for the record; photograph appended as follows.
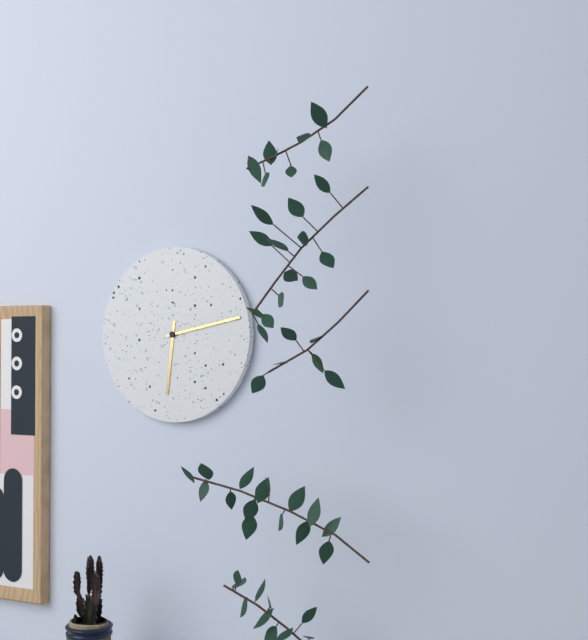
6:13
